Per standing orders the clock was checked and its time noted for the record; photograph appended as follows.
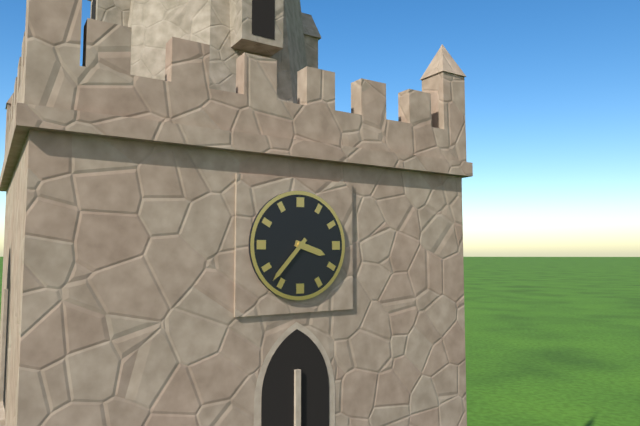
3:37
